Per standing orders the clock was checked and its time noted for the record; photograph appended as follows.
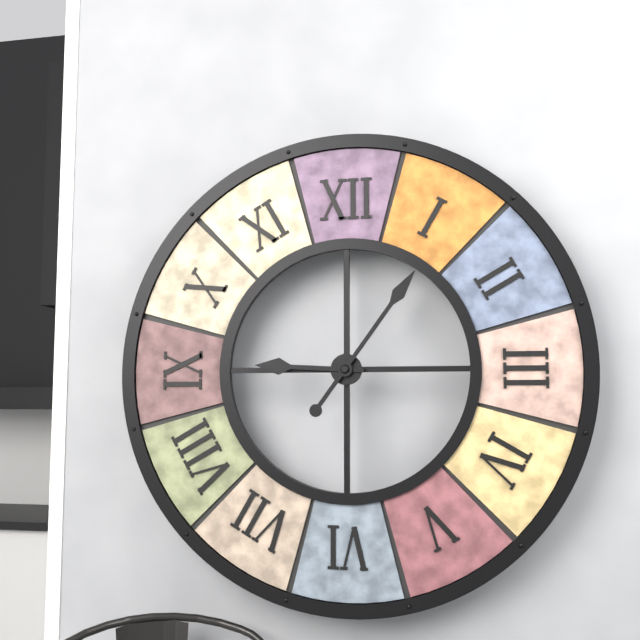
9:06
